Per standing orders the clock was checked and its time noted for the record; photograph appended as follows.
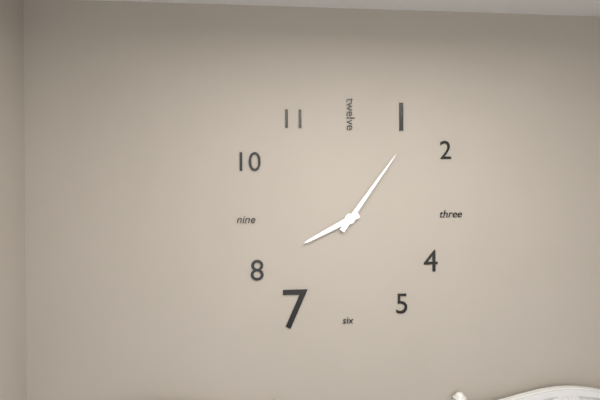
8:06
